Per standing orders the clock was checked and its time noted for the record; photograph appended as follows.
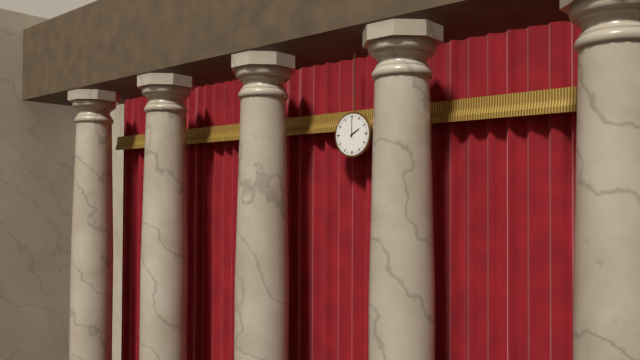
2:00
